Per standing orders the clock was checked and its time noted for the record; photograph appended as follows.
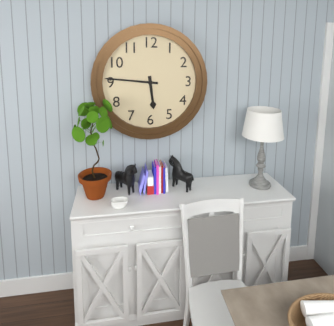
5:46
